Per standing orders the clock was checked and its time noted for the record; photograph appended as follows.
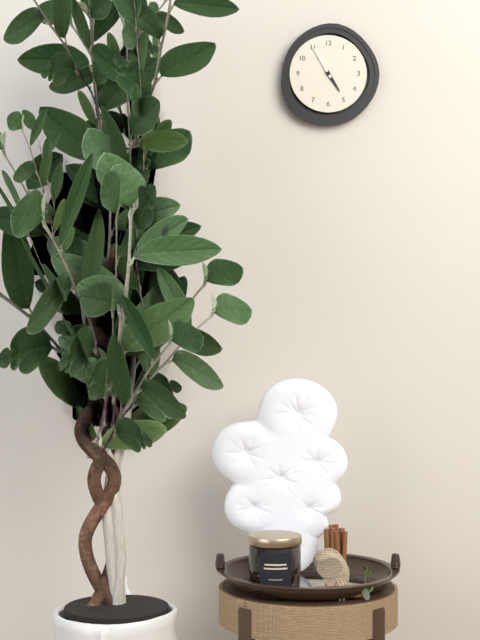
4:55
